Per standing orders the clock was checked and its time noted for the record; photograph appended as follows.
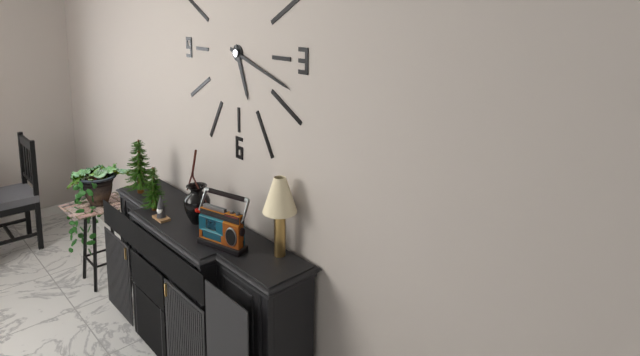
5:18
